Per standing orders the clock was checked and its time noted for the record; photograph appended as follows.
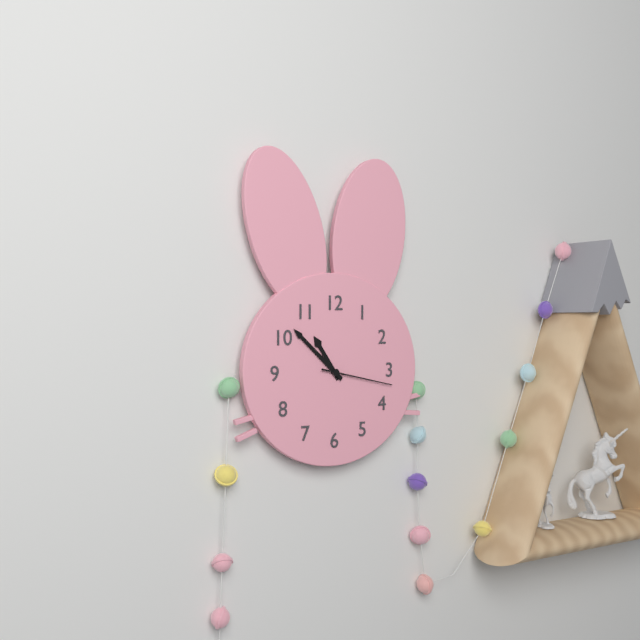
10:52:17
